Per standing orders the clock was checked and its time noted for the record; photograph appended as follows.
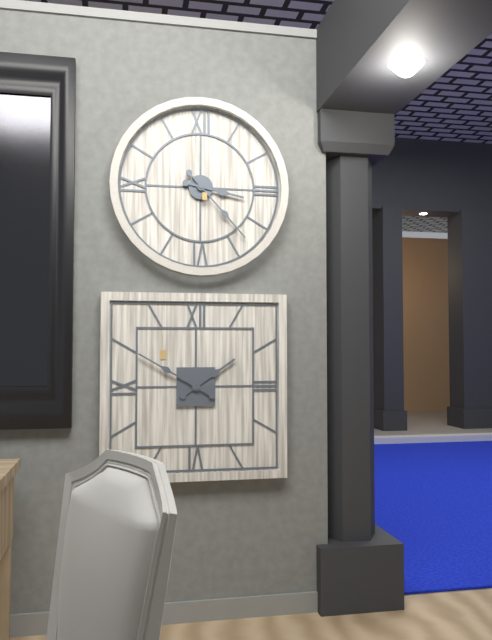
3:23
